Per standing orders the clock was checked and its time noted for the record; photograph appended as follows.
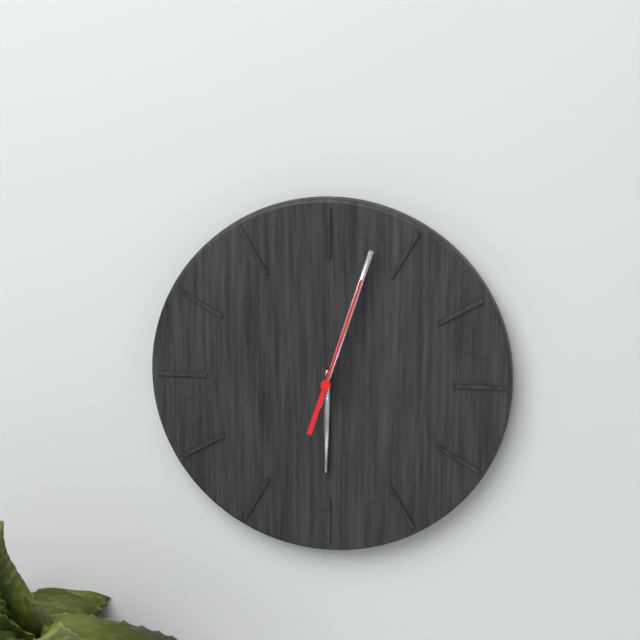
6:03:03
